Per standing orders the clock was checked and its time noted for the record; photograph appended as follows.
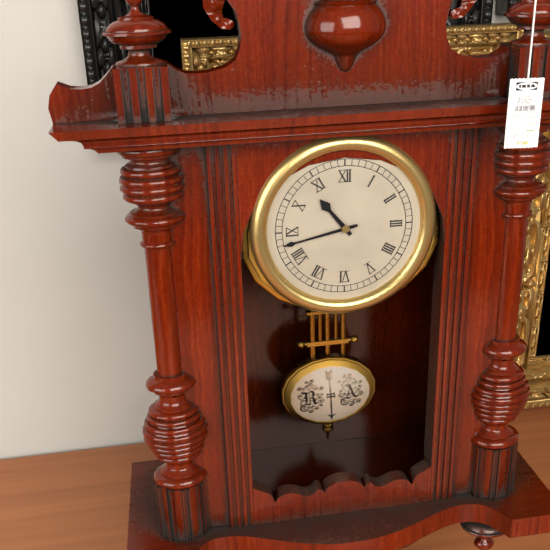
10:43
